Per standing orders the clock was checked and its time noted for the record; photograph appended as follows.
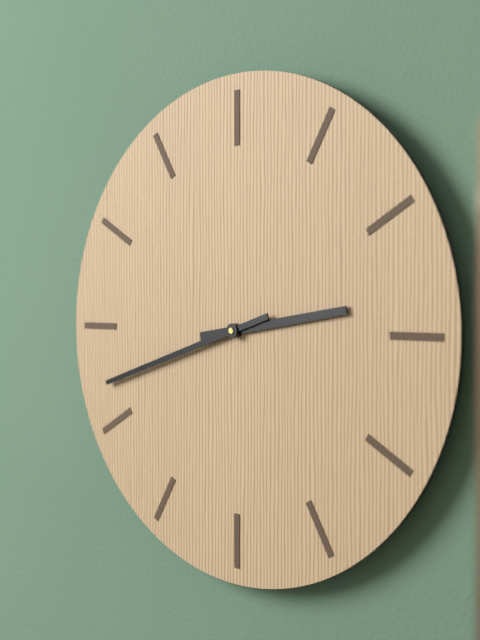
2:42
